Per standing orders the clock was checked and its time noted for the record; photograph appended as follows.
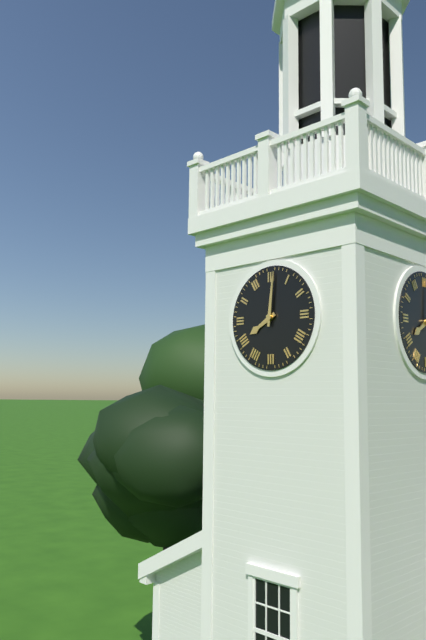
8:01
